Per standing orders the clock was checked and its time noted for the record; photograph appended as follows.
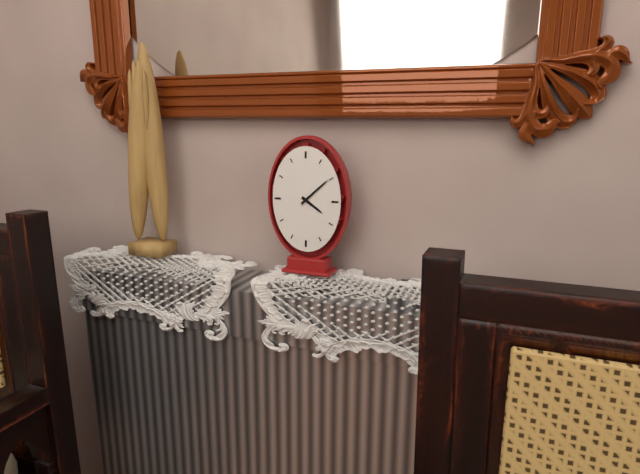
4:08
